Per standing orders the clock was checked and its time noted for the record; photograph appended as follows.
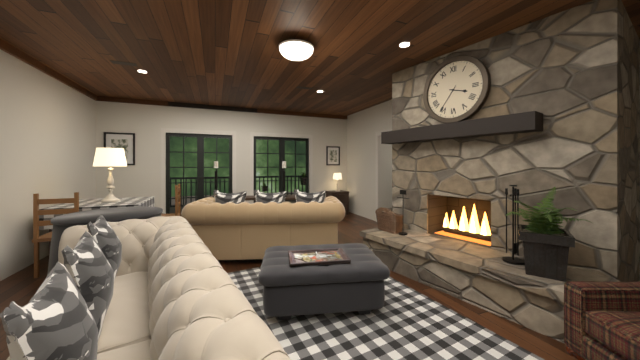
3:36
